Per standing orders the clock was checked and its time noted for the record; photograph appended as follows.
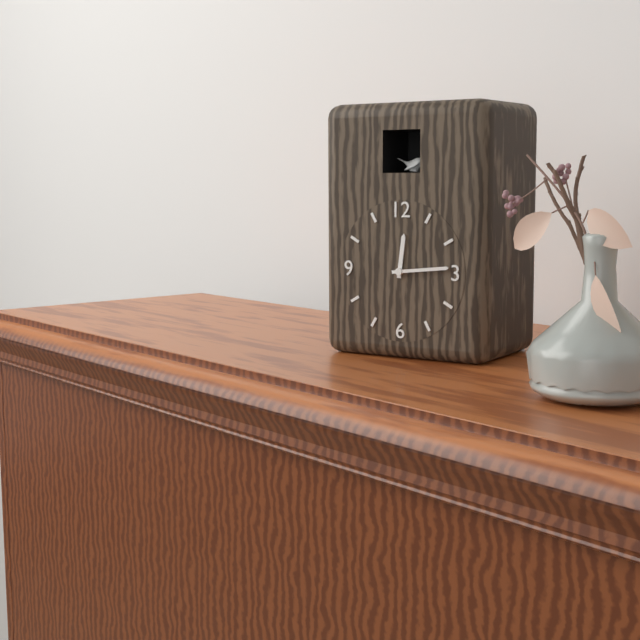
12:14
